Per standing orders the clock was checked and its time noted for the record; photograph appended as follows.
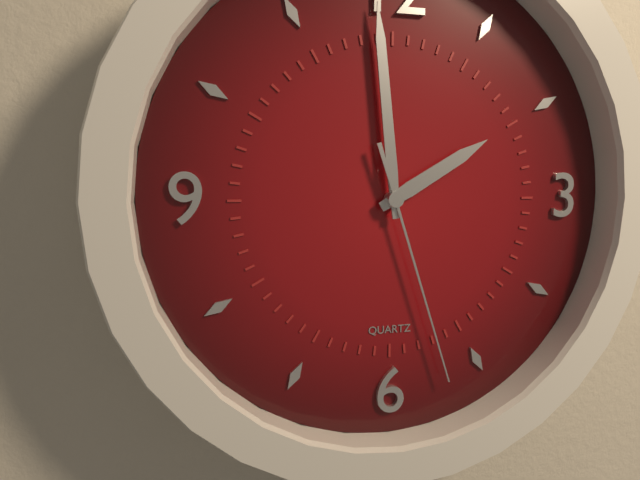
1:59:27
